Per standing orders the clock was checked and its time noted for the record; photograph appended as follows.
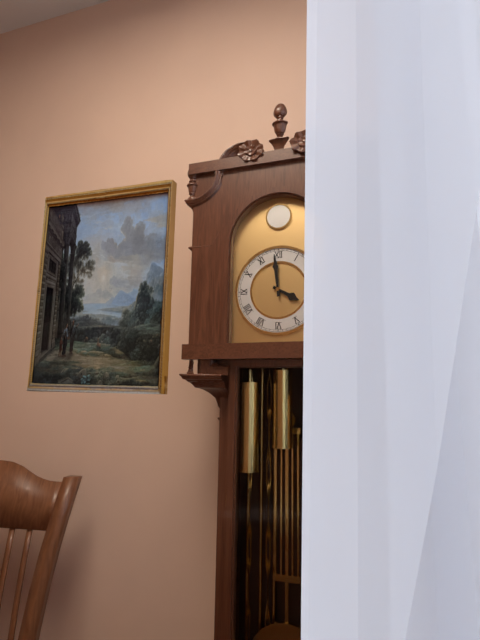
3:59
